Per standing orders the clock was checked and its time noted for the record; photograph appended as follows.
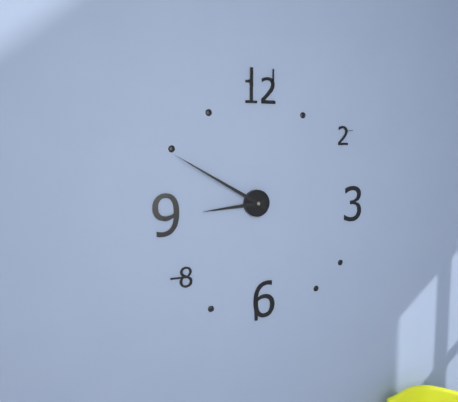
8:50
